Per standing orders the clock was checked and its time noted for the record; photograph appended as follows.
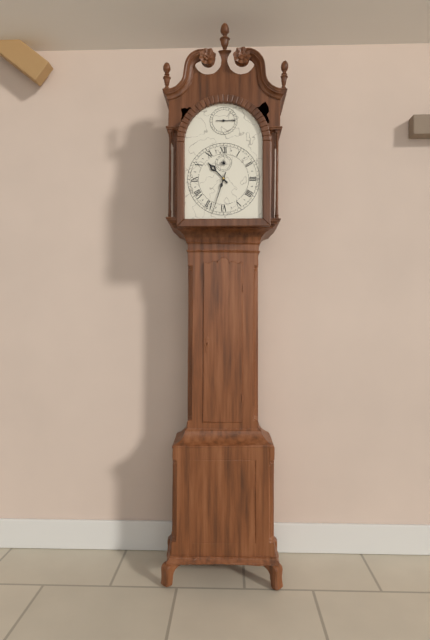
10:33
